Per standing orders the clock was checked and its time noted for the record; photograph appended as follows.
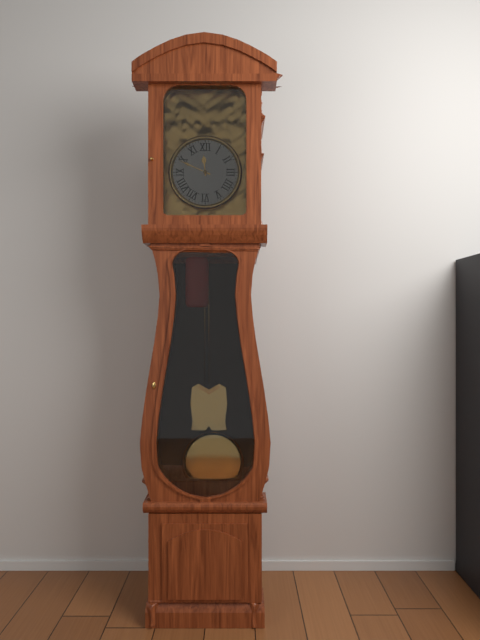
11:49
